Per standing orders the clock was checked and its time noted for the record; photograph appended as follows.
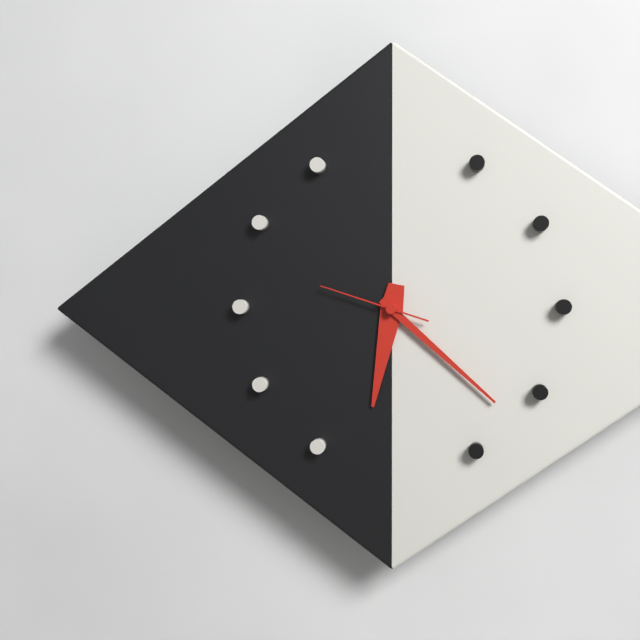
6:22:48
